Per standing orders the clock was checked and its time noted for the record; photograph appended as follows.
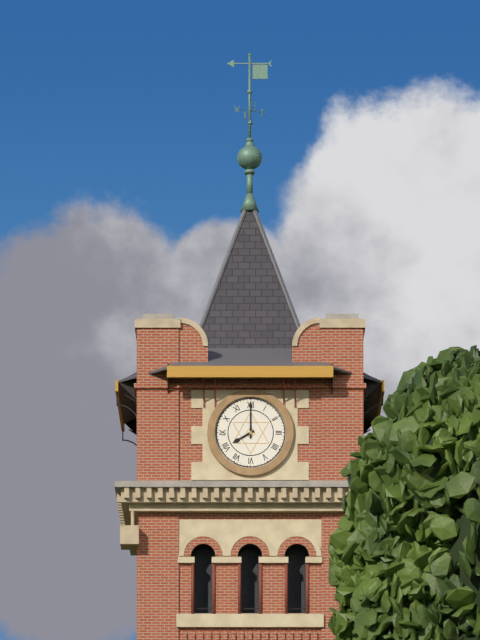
8:00
